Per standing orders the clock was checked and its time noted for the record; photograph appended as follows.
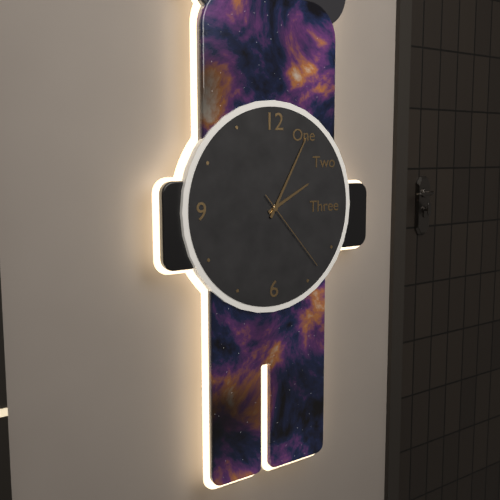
2:05:23
